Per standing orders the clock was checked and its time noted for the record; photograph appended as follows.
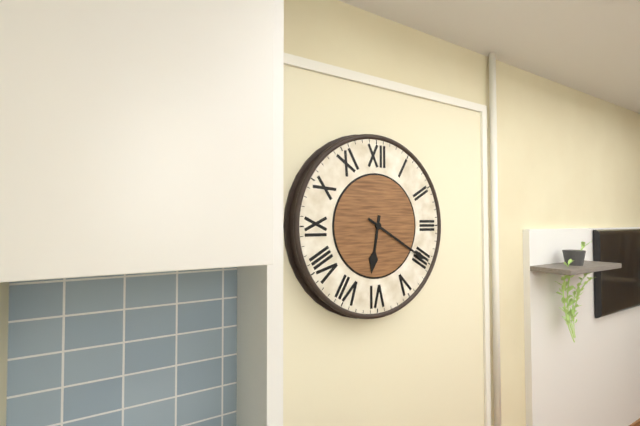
6:20
